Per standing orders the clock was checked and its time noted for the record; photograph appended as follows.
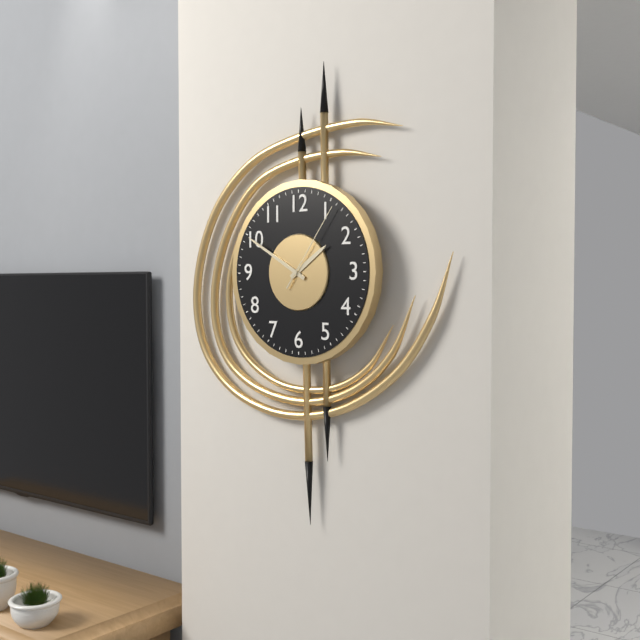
1:50:06
